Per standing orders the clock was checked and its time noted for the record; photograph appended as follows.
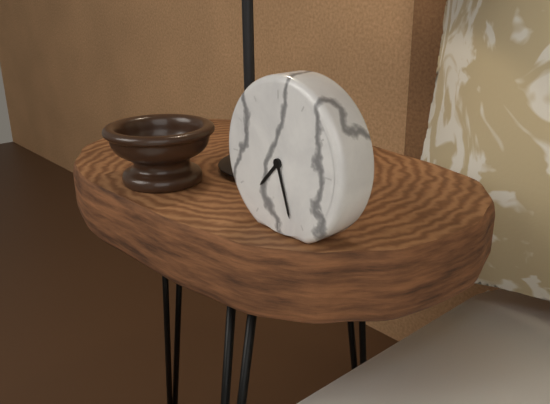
7:27
